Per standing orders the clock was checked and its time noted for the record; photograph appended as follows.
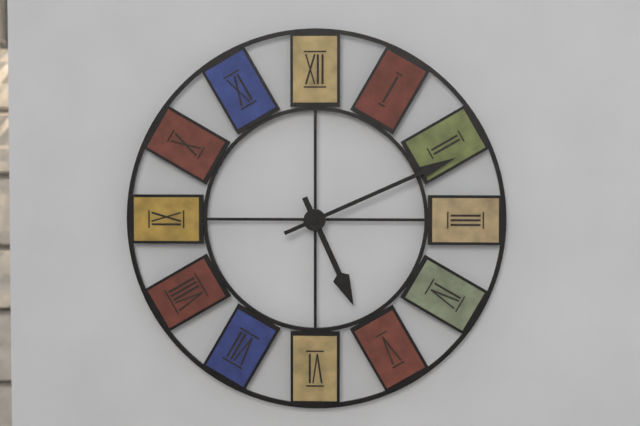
5:11
